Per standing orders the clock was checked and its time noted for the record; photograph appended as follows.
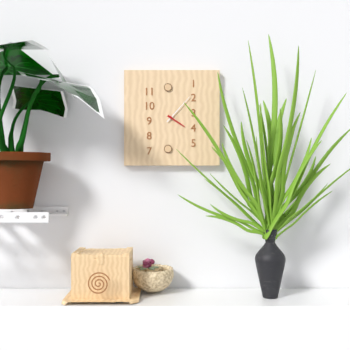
4:07
